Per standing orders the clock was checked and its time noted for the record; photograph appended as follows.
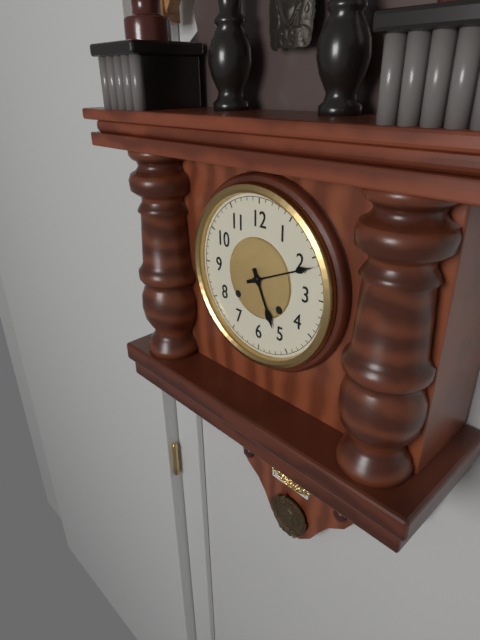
5:11
